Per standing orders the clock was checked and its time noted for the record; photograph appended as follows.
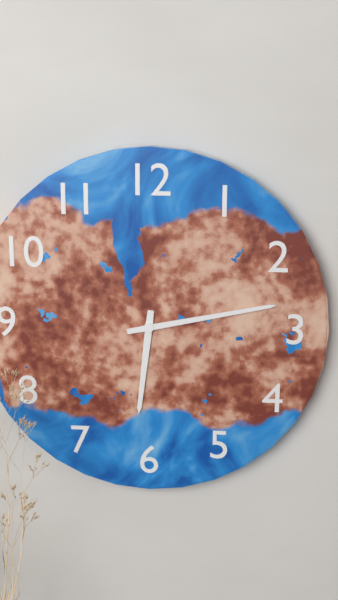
6:13
